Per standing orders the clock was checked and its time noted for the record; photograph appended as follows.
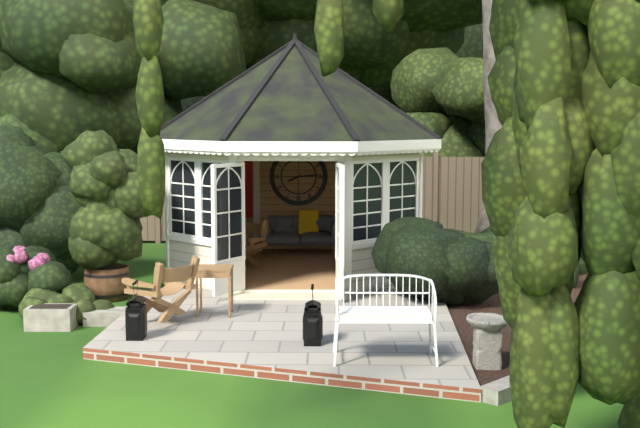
8:14
